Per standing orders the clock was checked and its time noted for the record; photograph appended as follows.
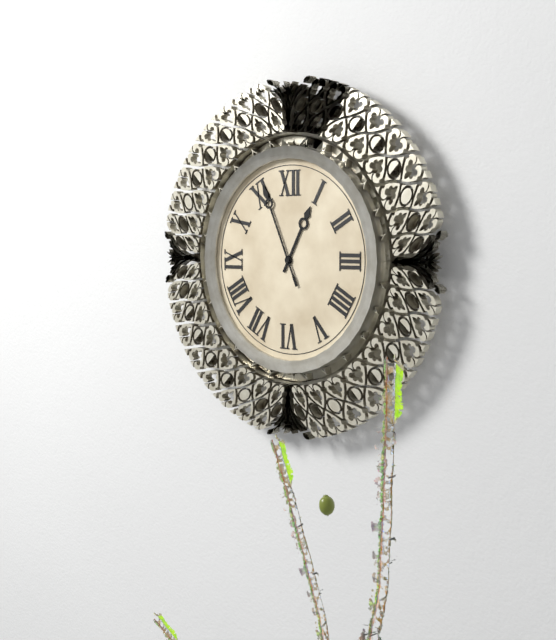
12:56
